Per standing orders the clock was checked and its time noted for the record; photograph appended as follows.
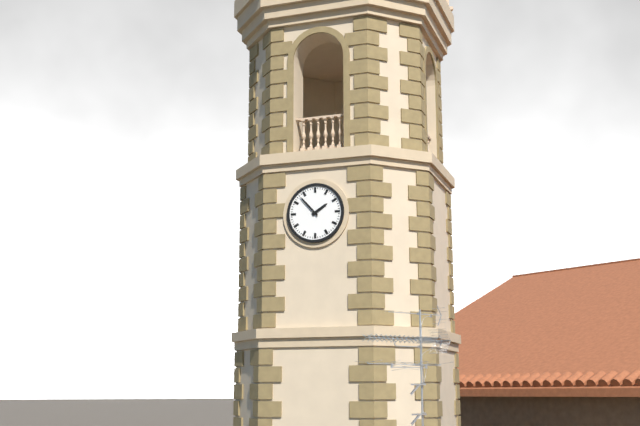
1:53
